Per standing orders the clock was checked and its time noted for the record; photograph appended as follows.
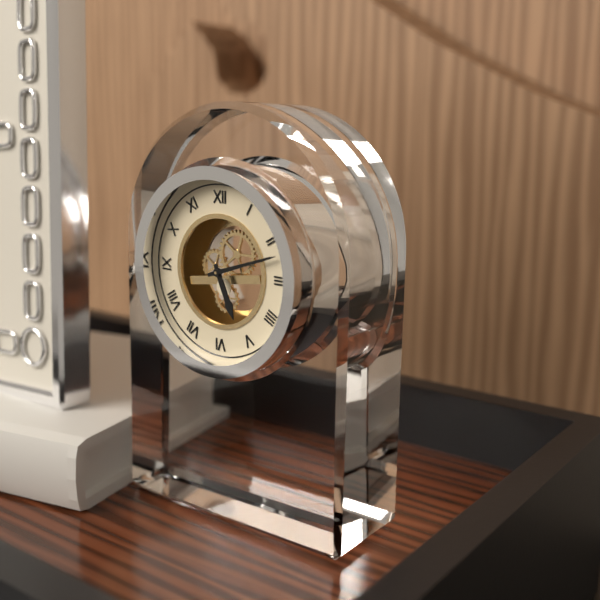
5:12
